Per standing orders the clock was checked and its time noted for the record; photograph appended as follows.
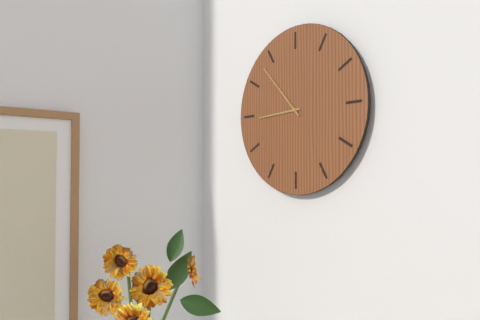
8:53
